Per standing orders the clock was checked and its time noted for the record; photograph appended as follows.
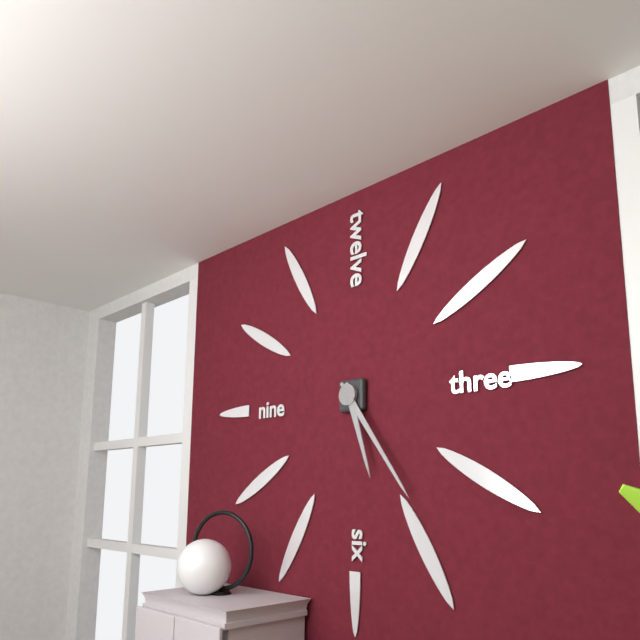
5:24
